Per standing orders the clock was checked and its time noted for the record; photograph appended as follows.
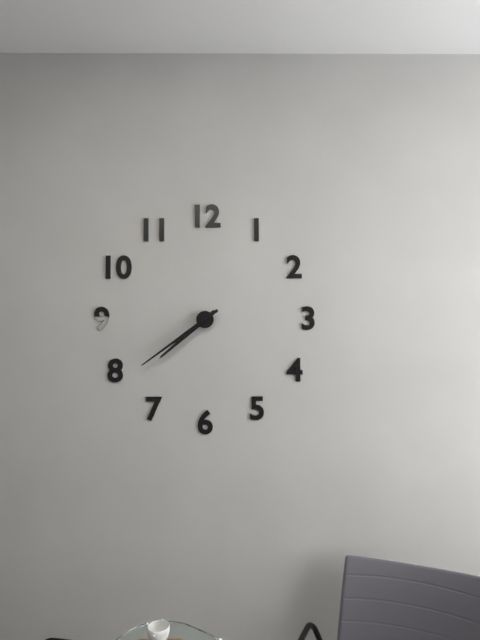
7:39
